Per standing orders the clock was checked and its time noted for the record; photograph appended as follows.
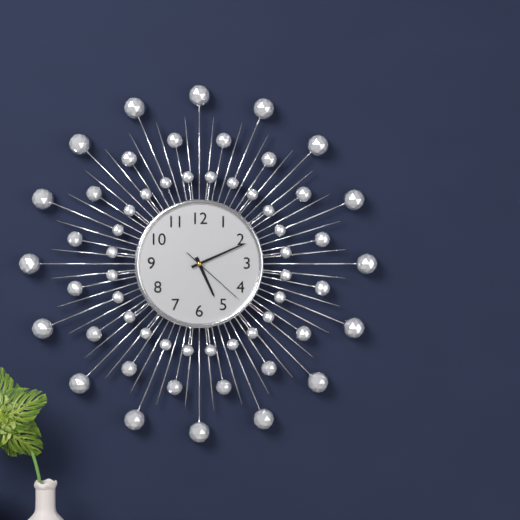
5:11:22
